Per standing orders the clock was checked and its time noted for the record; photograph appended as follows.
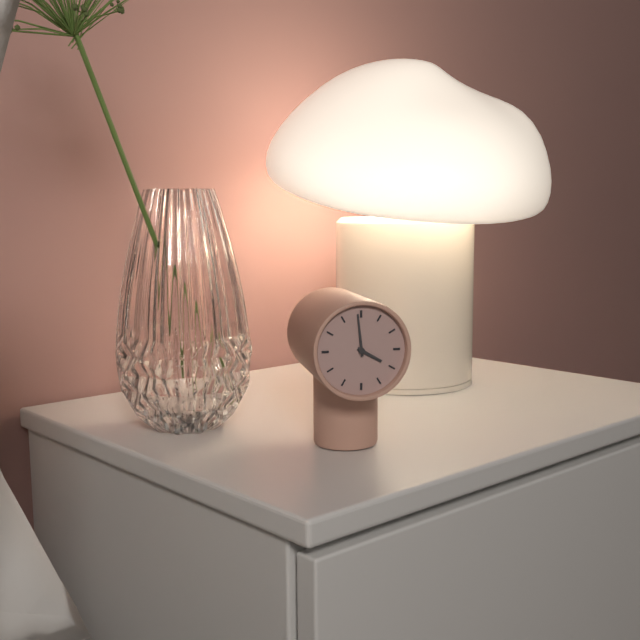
3:59
